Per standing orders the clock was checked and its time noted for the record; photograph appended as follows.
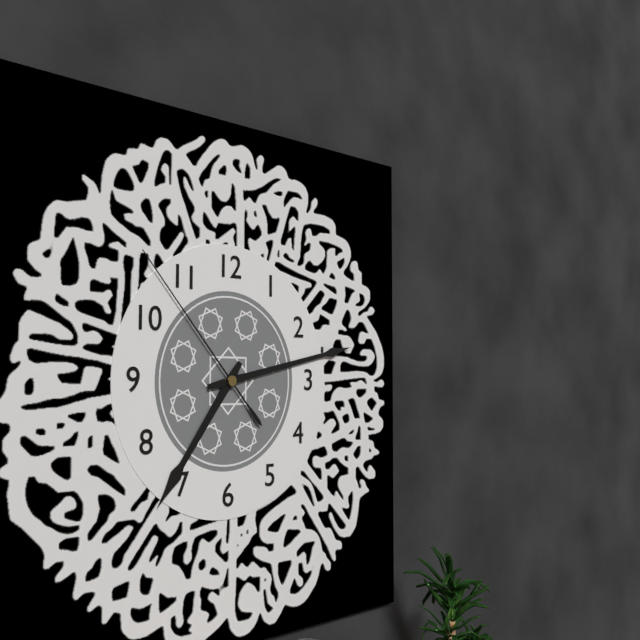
7:13:53
